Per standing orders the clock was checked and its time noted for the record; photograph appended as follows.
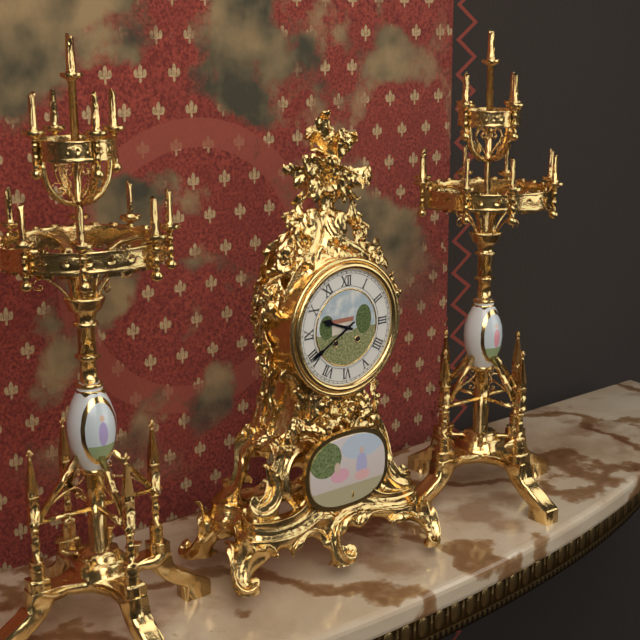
9:40
